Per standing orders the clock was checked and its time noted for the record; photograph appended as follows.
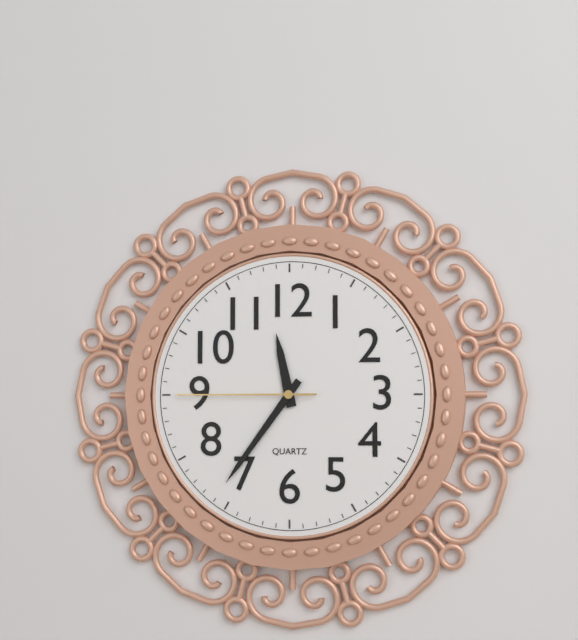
11:36:45
